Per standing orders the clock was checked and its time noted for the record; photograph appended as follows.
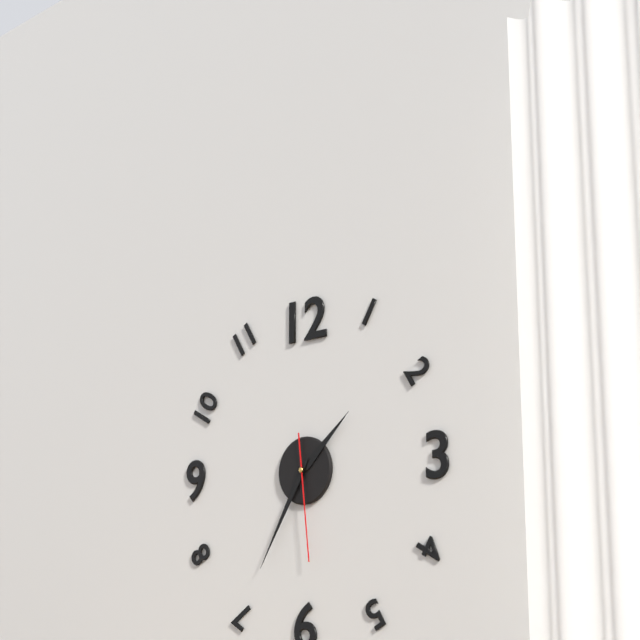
1:35:29
